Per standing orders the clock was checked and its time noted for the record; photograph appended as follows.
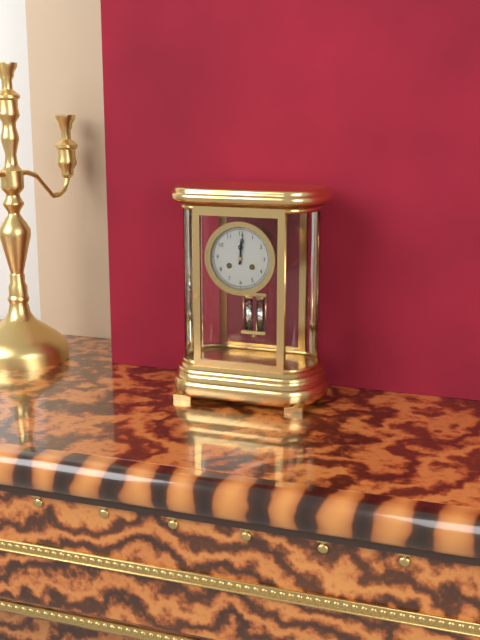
12:01
